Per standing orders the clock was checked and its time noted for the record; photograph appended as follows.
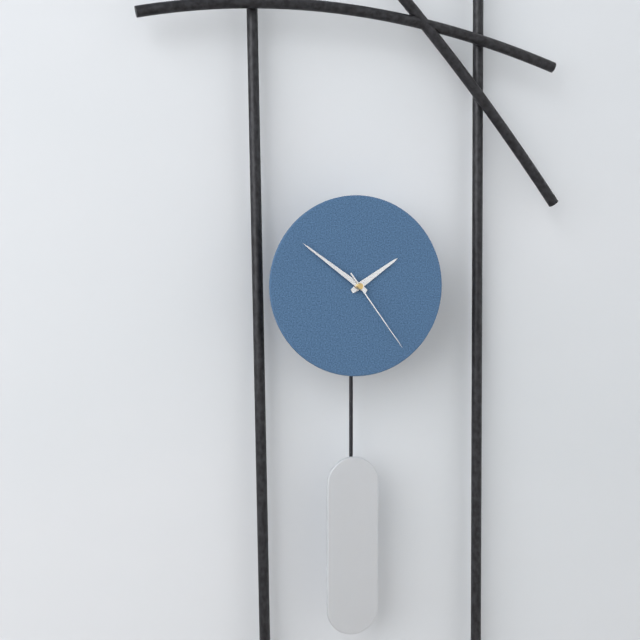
1:51:24
